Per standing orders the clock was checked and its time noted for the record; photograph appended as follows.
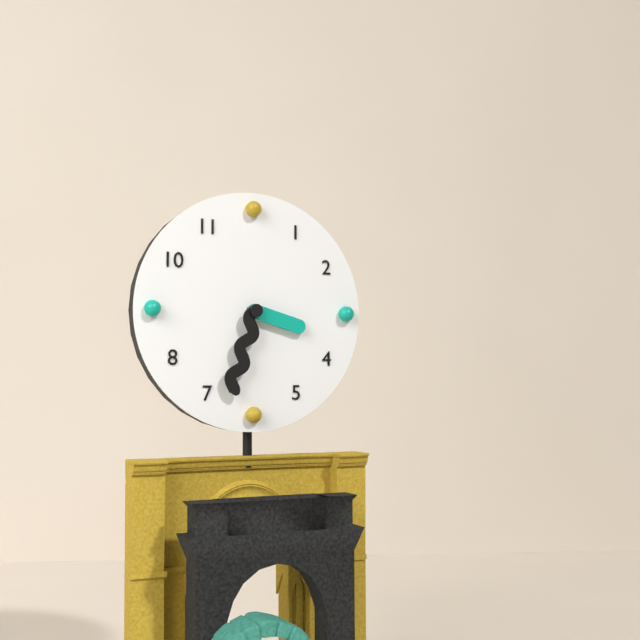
3:33
